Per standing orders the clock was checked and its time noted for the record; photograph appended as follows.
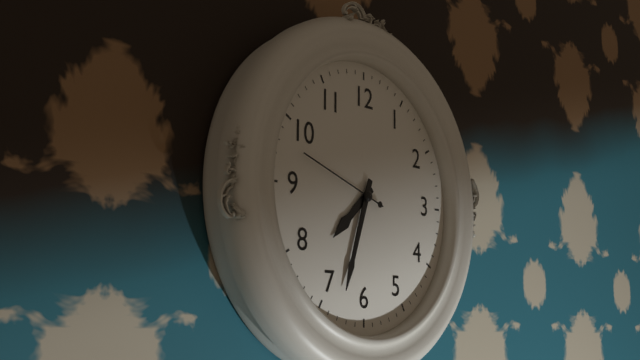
7:33:48
